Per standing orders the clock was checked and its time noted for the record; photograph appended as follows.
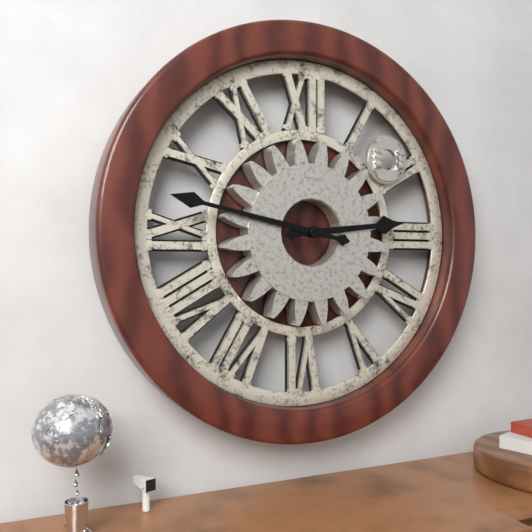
2:47
